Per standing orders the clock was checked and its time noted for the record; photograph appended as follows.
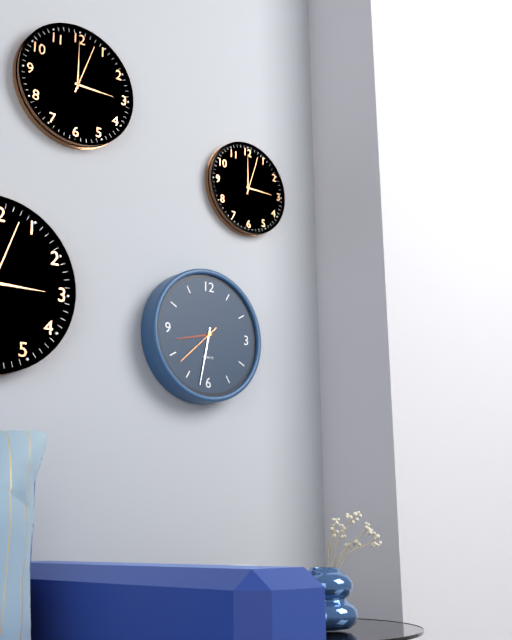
8:32
